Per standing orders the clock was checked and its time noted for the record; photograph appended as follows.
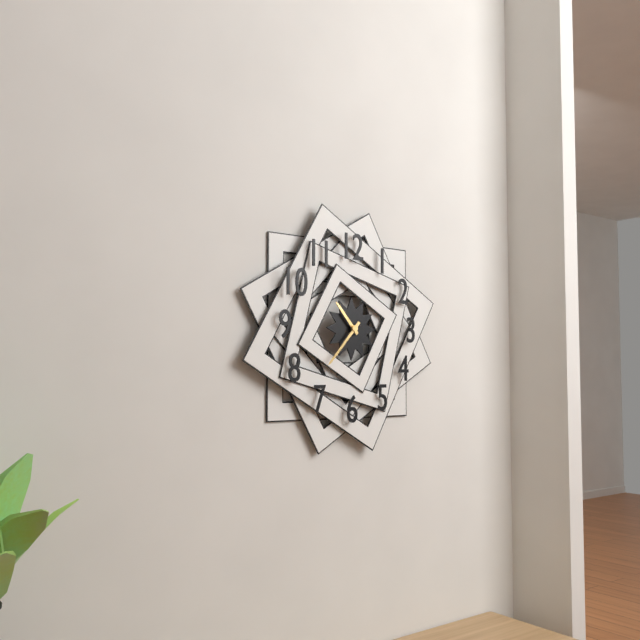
10:37
